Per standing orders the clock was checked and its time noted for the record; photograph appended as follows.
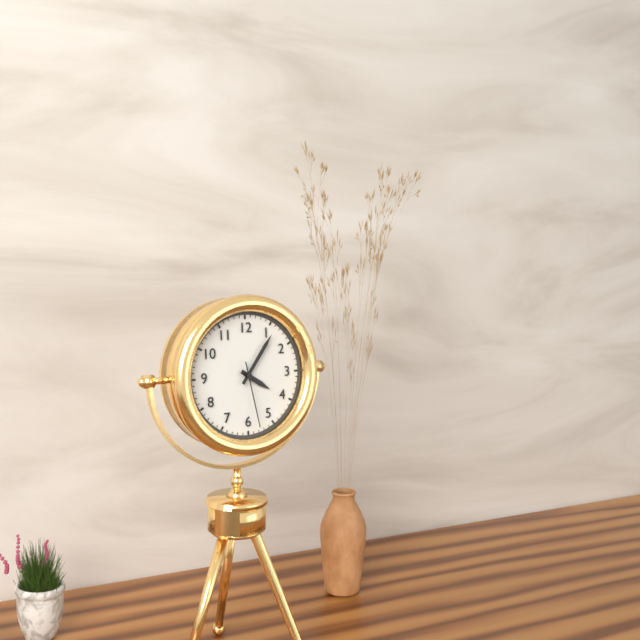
4:06:28
